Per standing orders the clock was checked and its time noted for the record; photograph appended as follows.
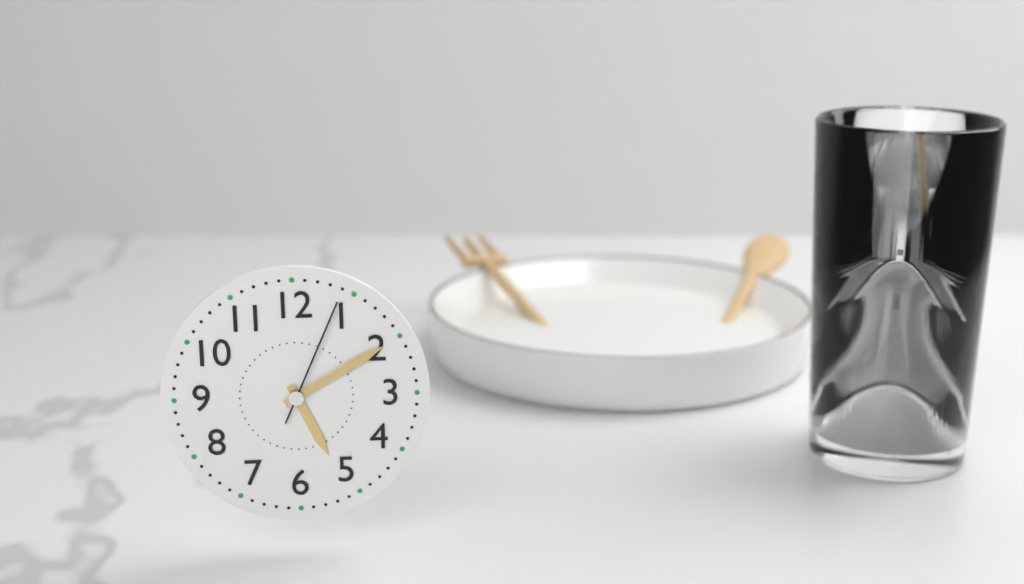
5:10:04
